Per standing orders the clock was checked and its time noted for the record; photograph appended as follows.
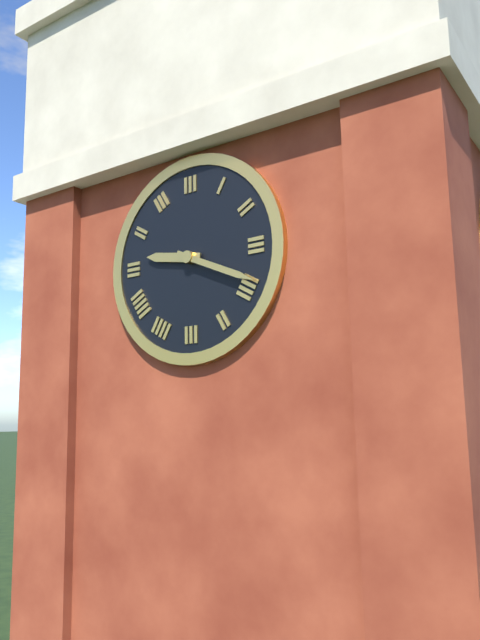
9:19
